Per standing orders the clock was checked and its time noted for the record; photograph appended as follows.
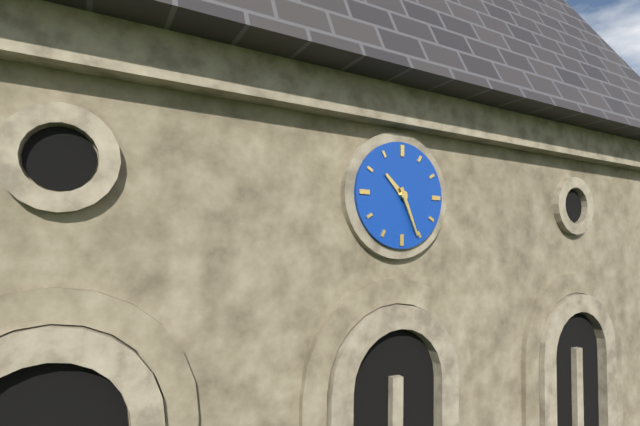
10:26
